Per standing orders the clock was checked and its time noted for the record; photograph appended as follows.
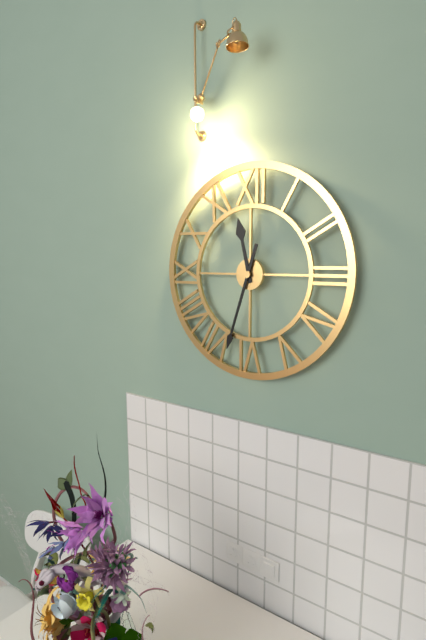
11:33
